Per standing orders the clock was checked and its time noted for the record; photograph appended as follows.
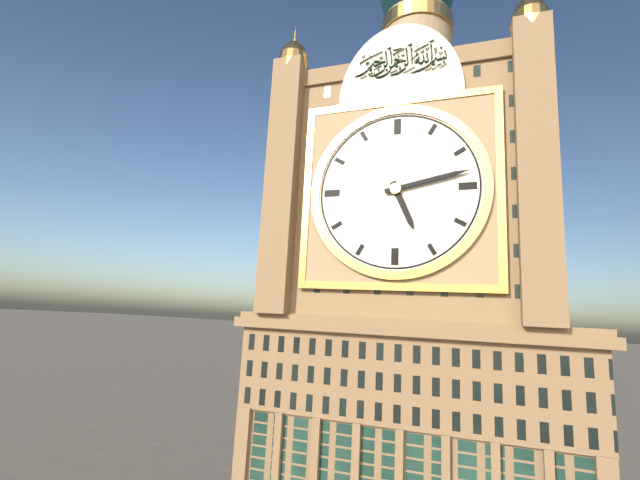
5:13
